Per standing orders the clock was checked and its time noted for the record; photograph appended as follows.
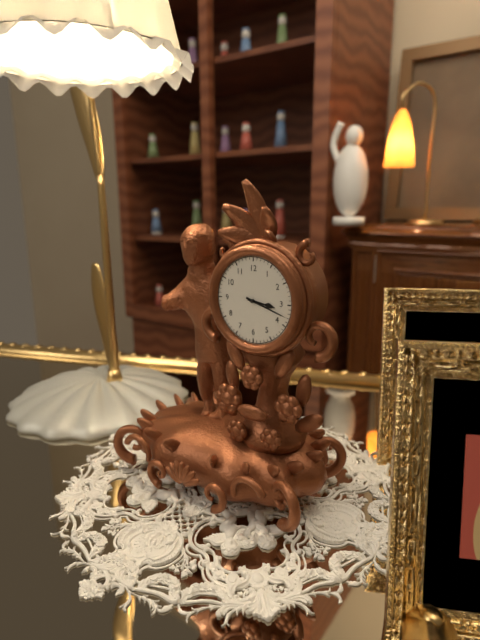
3:18
